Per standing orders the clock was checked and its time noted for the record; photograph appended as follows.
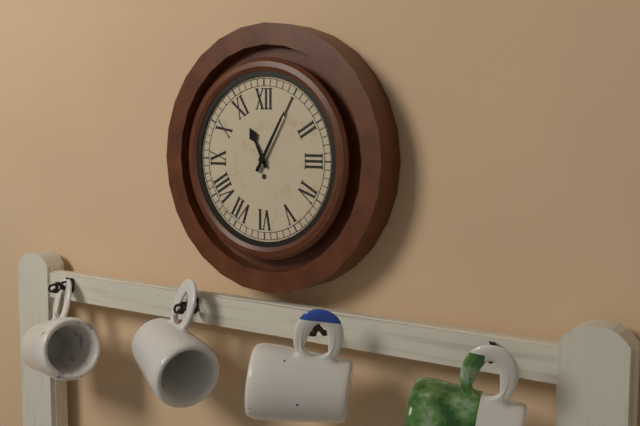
11:05
